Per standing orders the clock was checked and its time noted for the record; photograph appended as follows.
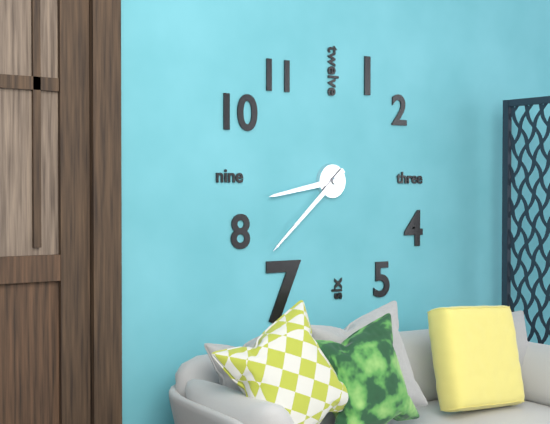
8:38
